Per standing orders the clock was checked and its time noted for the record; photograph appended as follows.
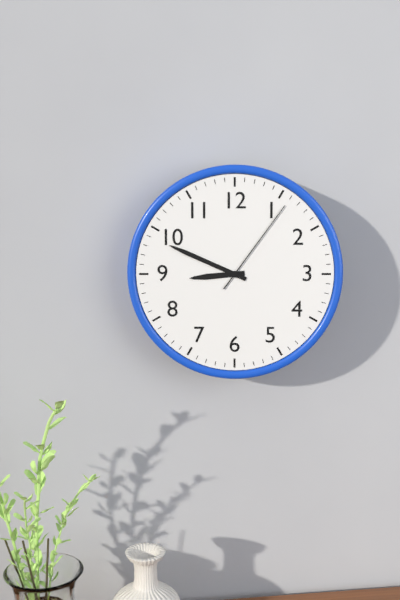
8:49:06
